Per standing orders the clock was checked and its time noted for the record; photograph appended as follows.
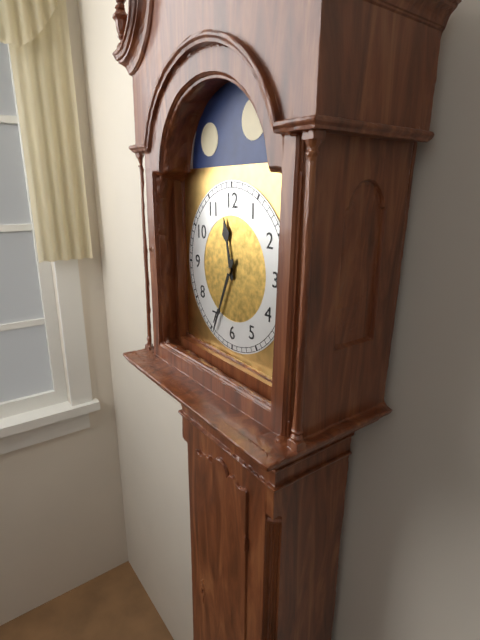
11:34
